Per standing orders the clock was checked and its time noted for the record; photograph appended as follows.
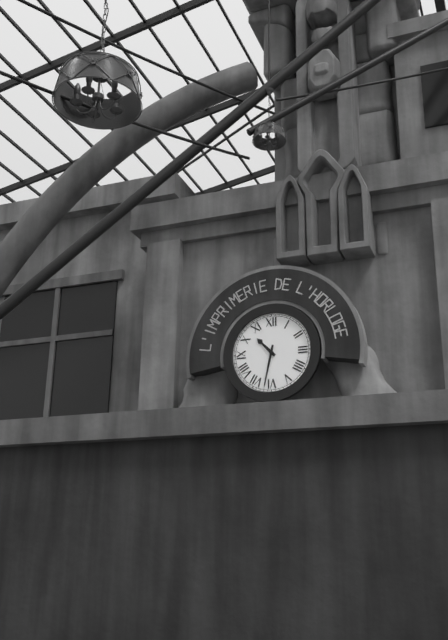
10:32
